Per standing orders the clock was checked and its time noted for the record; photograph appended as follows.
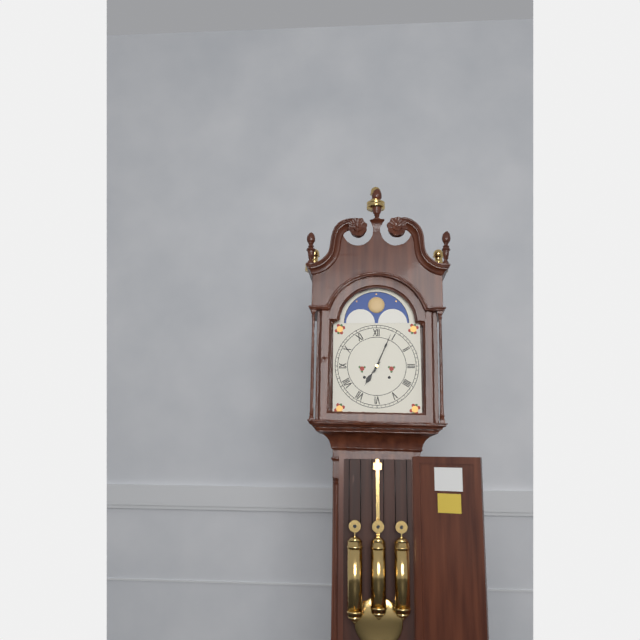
7:04
